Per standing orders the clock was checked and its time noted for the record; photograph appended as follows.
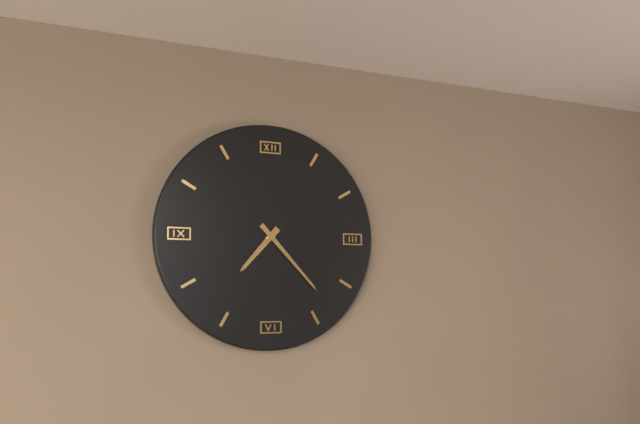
7:23
